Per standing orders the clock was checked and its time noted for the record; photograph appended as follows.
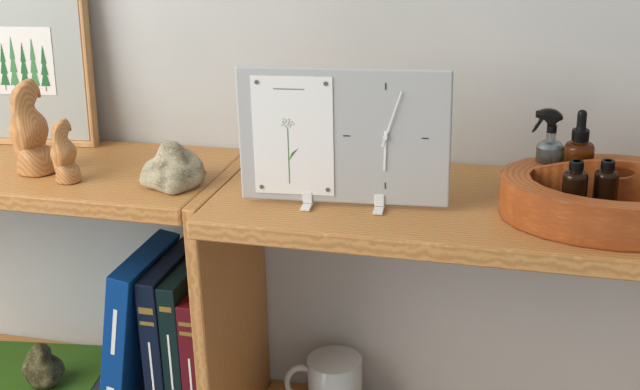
6:03
